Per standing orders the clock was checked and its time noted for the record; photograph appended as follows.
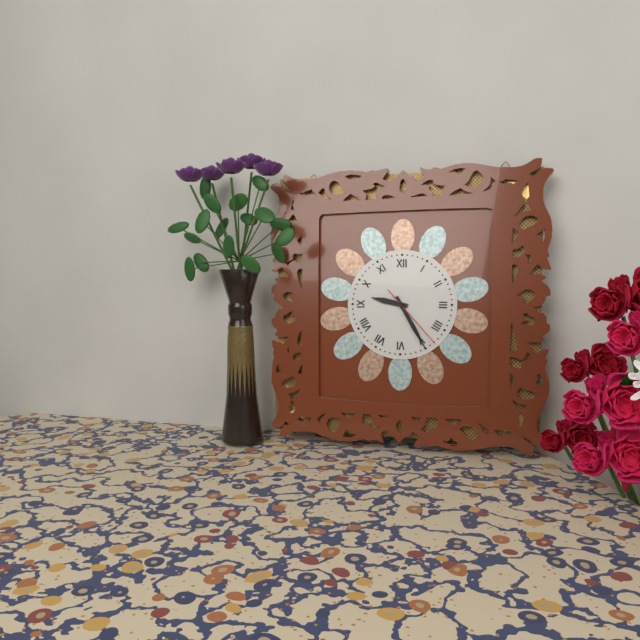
9:25:23
